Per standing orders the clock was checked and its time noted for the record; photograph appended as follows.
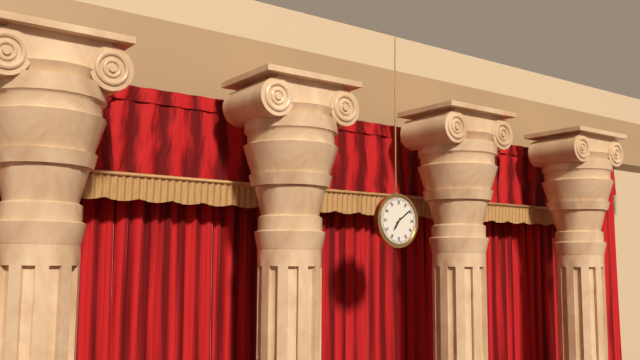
7:09
